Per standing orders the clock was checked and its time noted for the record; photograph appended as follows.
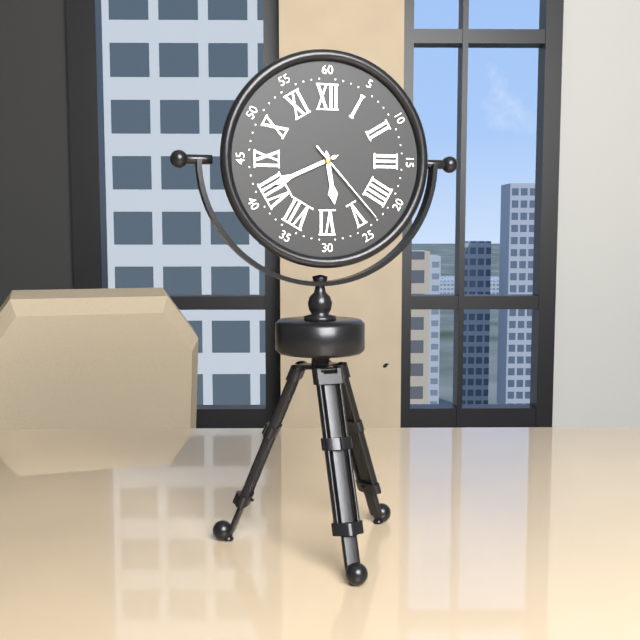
5:41:23
